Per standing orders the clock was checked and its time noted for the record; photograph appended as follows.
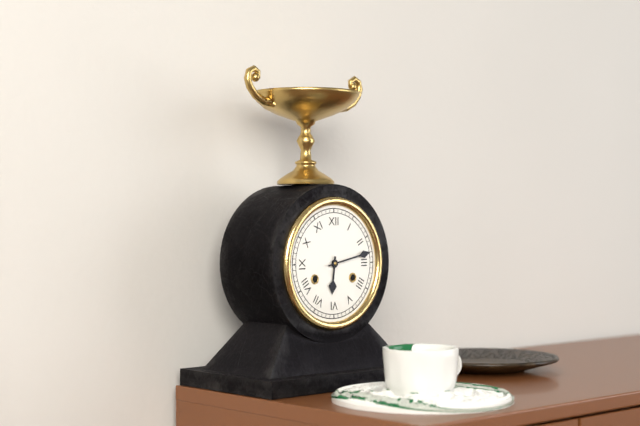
6:13
